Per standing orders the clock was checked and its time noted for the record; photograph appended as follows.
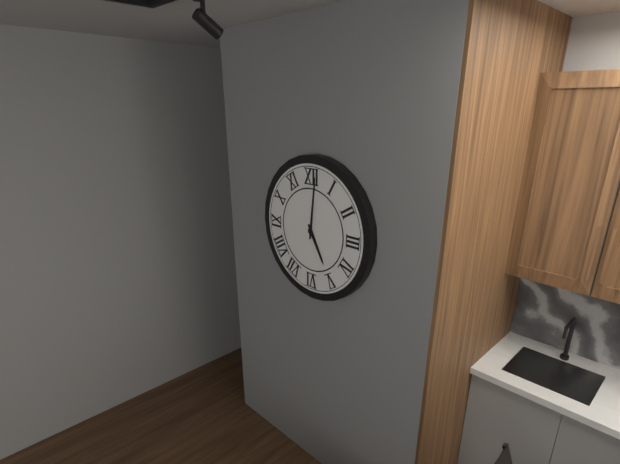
5:01
